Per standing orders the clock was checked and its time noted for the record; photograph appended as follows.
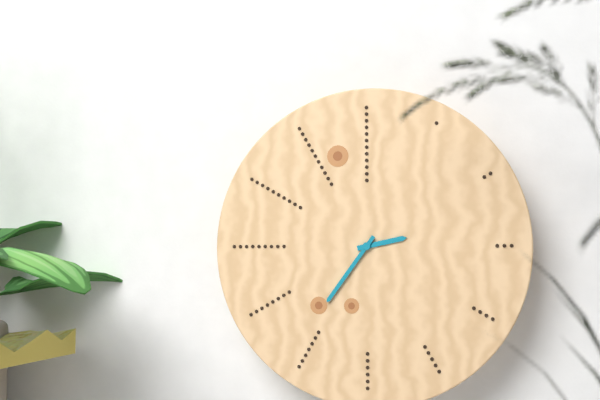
2:36
